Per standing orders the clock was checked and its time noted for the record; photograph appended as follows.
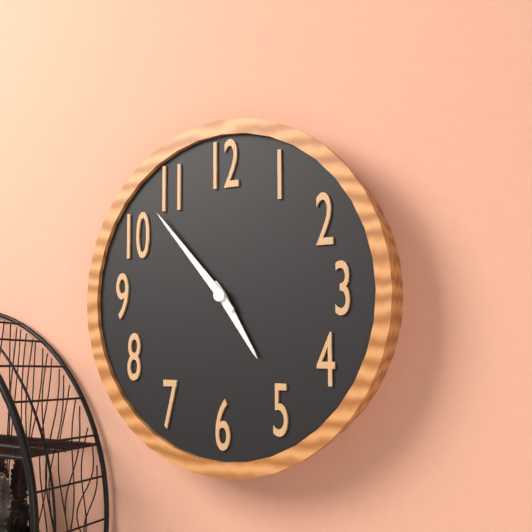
4:53
